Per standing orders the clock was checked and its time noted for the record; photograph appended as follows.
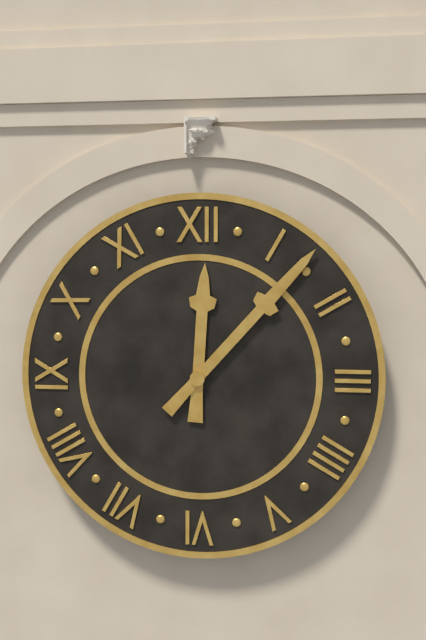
12:07
